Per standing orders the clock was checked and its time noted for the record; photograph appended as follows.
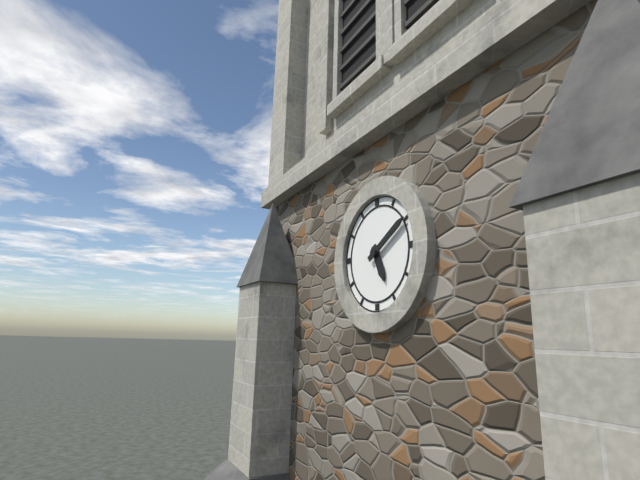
5:10
